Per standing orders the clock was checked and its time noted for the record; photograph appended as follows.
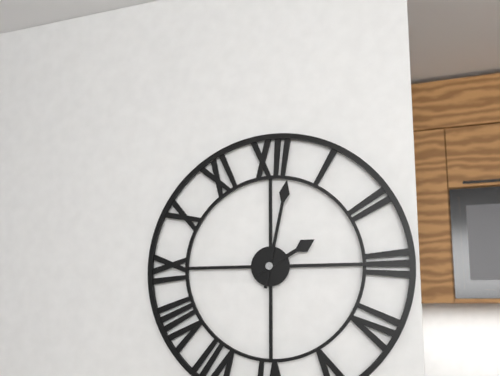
2:02
